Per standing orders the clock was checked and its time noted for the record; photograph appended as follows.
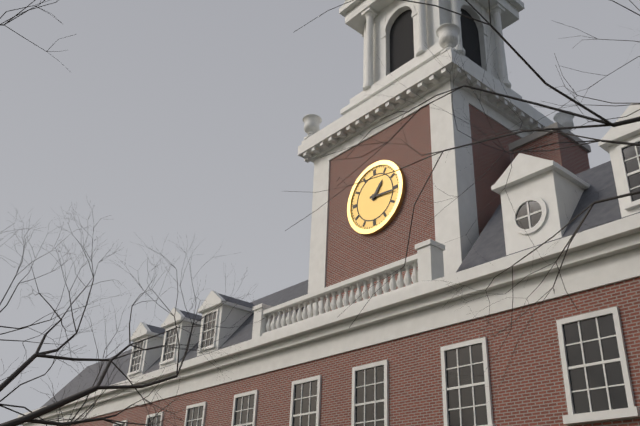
1:16
